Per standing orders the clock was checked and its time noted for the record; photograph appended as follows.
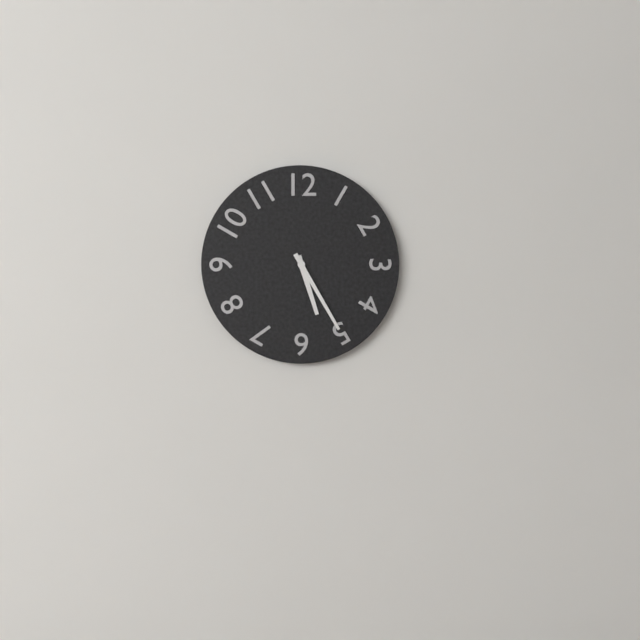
5:25
